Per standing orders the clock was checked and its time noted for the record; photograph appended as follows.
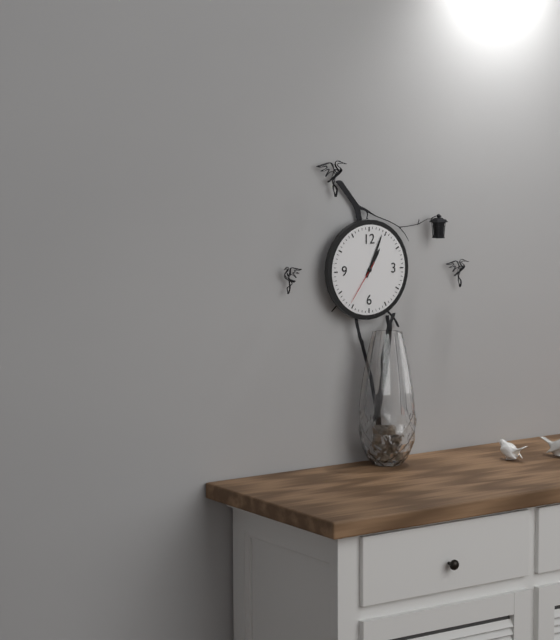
1:04
